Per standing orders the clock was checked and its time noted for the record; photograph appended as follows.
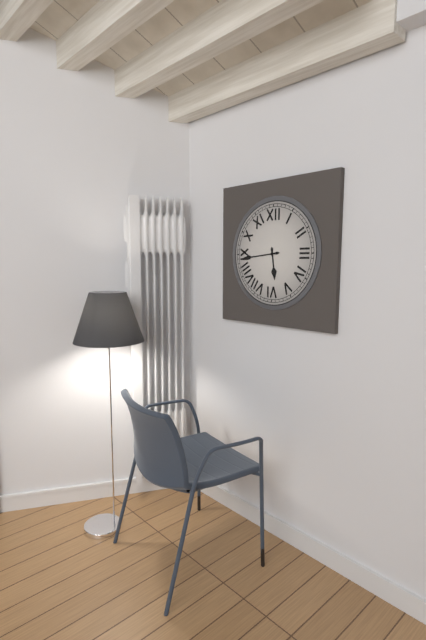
5:44
